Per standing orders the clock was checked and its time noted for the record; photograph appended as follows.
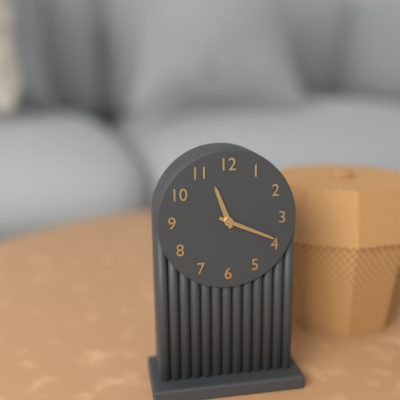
11:19
